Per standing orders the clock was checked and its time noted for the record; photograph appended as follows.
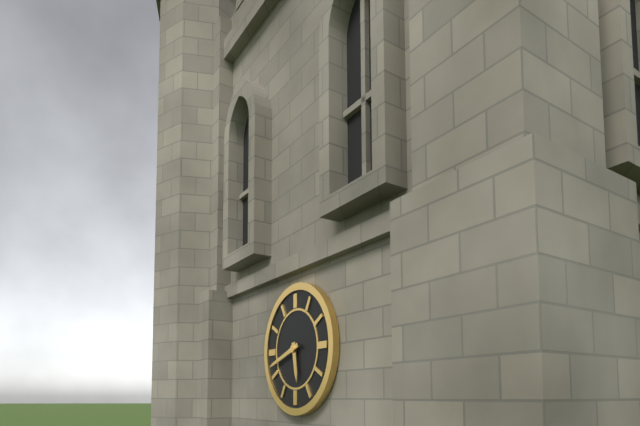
5:42
